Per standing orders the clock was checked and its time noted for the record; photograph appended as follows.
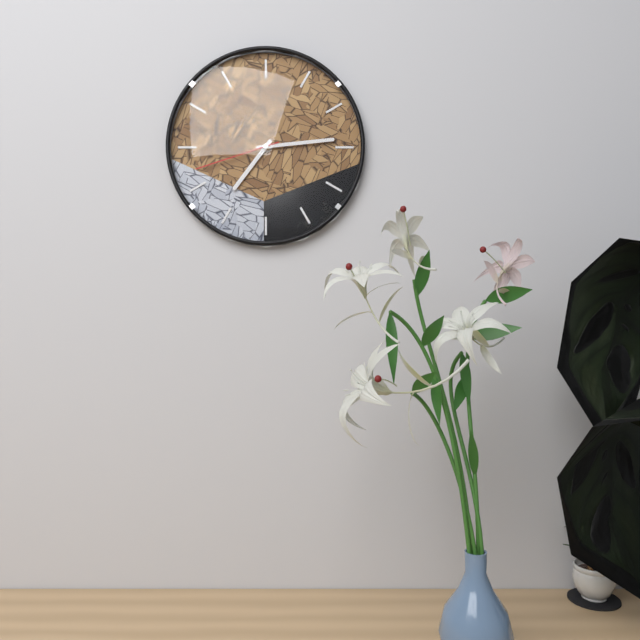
7:14:42
